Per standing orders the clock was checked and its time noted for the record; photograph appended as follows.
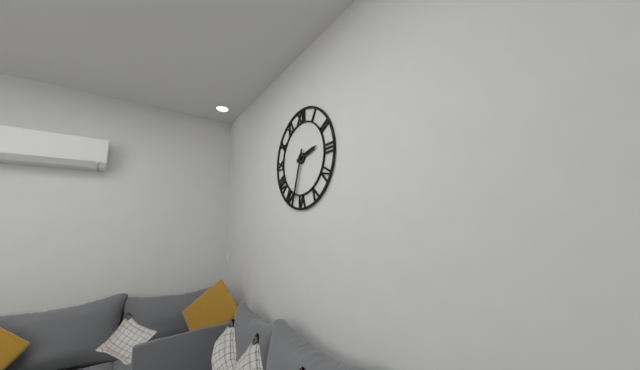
2:33
